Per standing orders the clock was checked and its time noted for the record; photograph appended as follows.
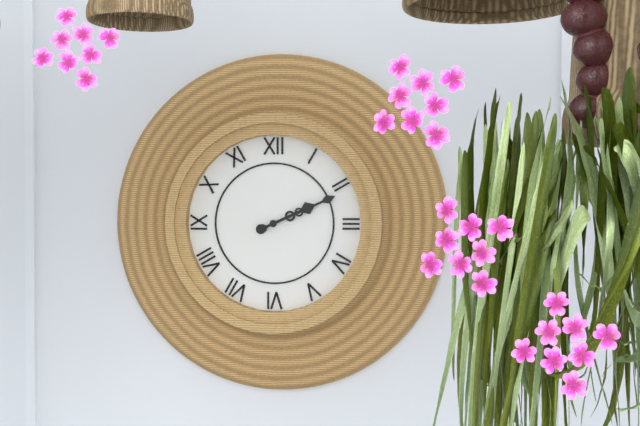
2:11
